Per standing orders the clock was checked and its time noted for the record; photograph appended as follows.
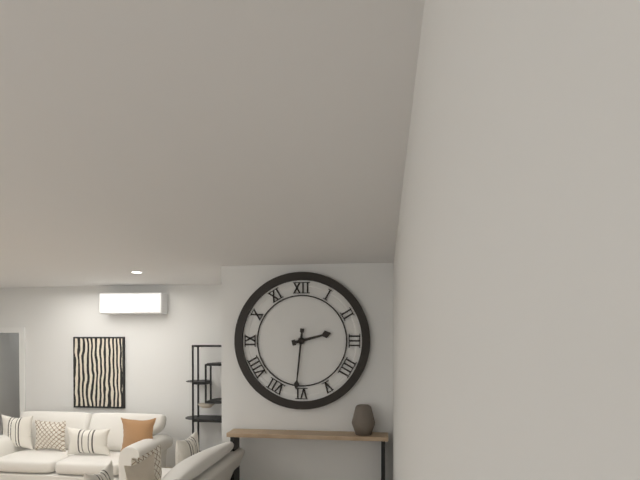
2:31
